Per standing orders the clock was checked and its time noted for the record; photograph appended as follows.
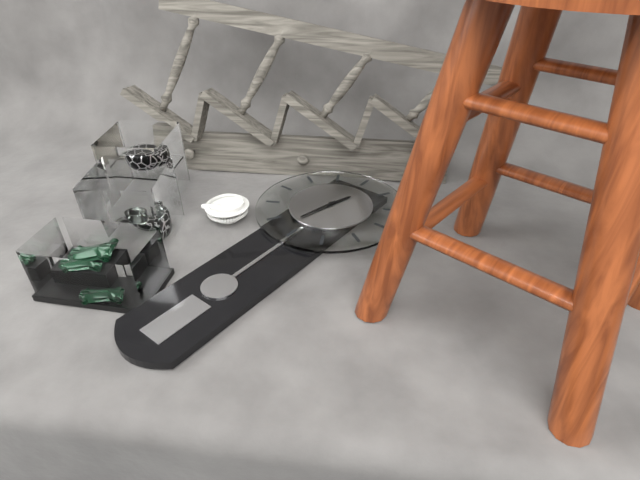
12:32
